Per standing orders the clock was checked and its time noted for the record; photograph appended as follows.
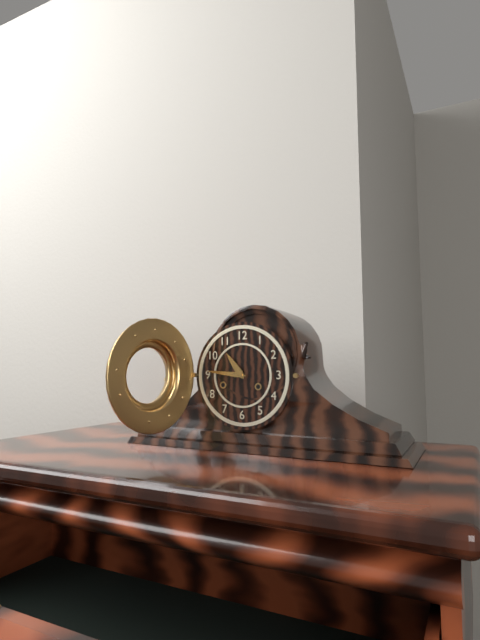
10:46
